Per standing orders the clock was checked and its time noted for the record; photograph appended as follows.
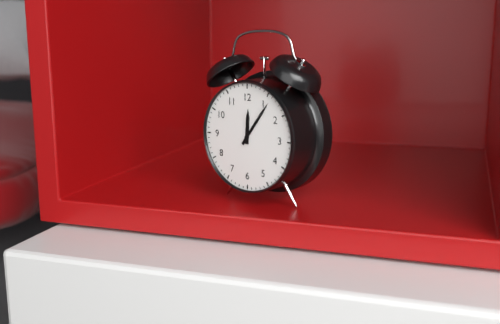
12:06
